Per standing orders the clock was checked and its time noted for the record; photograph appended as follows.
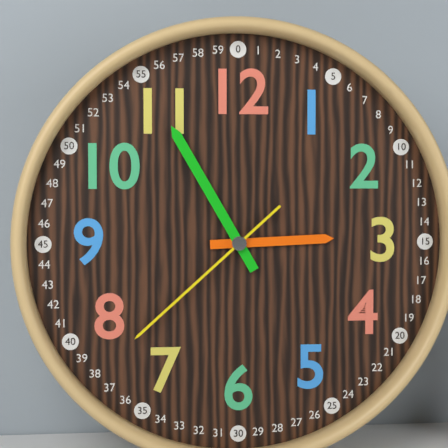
2:55:38
